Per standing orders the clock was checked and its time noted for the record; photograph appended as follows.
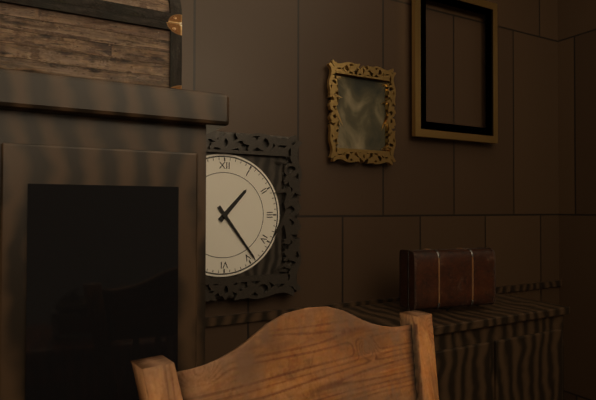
1:24
